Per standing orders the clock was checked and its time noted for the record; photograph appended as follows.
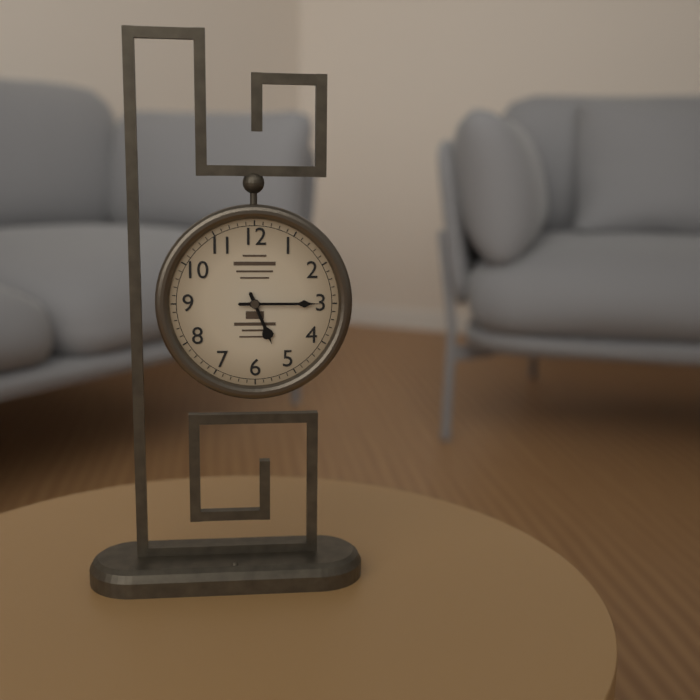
5:15
